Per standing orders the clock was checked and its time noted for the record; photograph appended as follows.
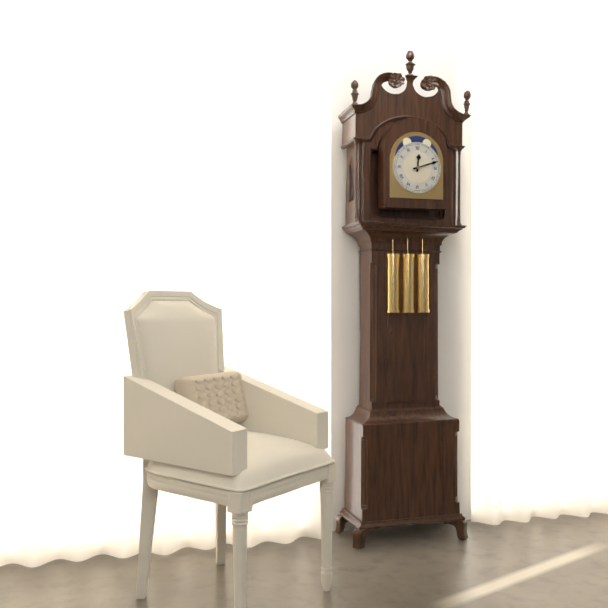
12:12
